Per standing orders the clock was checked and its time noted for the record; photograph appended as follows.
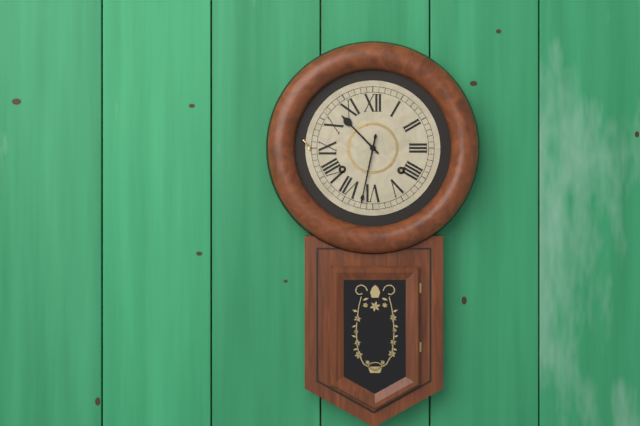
10:32
